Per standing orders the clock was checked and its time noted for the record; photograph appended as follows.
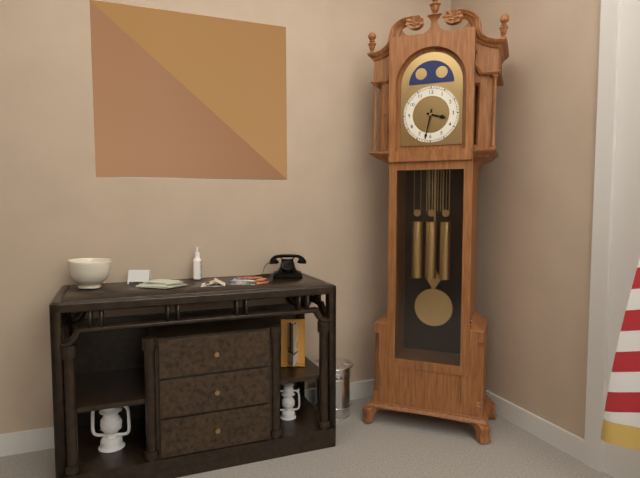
3:32
